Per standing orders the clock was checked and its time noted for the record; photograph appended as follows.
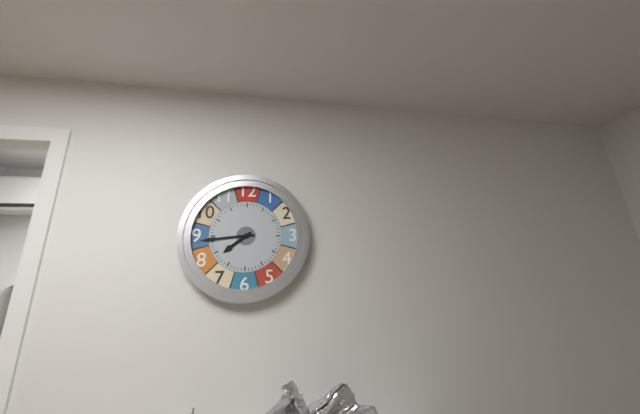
7:44
